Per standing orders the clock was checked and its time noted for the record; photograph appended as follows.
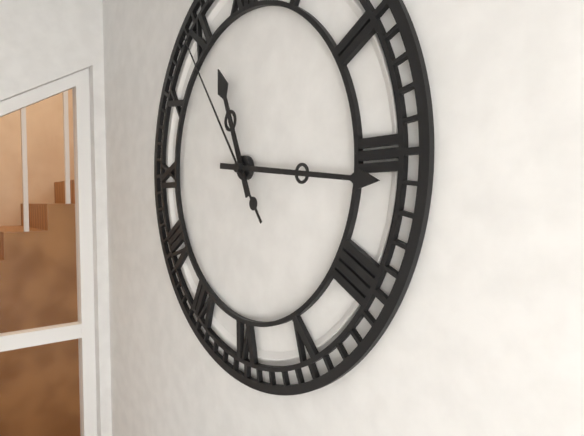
11:16:54
